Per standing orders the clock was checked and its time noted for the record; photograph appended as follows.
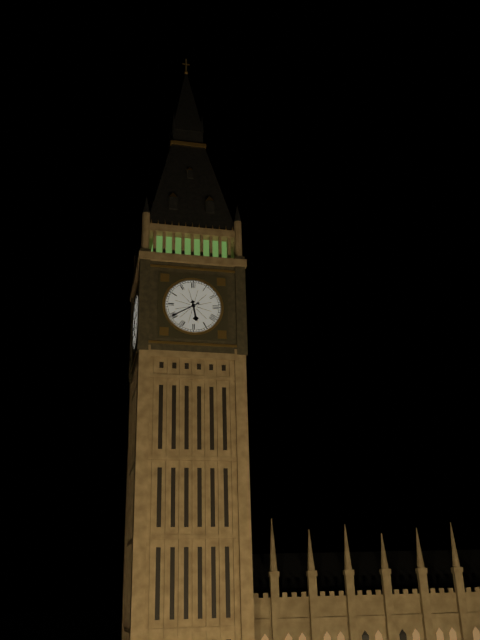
5:40
